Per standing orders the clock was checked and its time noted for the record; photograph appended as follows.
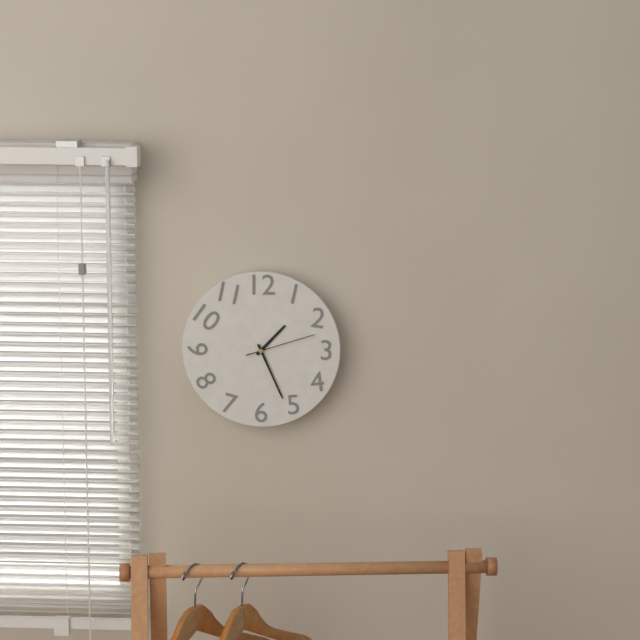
1:26:12
